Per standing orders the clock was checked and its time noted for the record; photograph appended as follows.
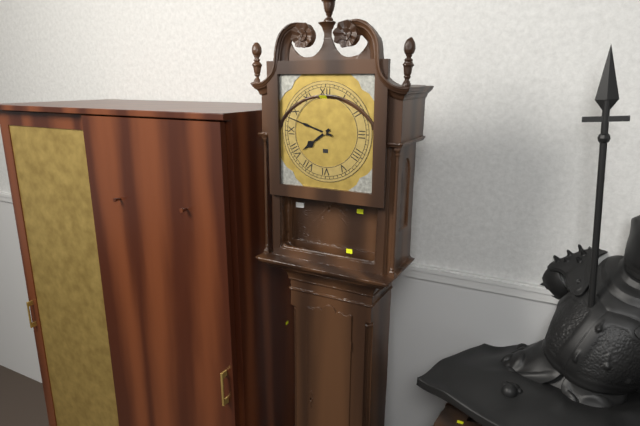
7:48
